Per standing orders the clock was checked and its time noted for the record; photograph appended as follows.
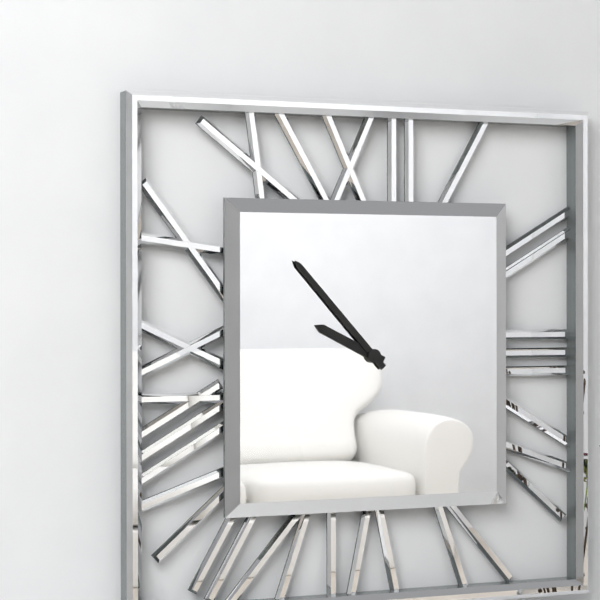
9:53
